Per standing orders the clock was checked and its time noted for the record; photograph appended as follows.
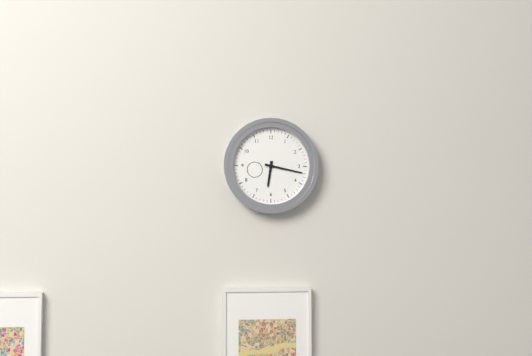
6:17
